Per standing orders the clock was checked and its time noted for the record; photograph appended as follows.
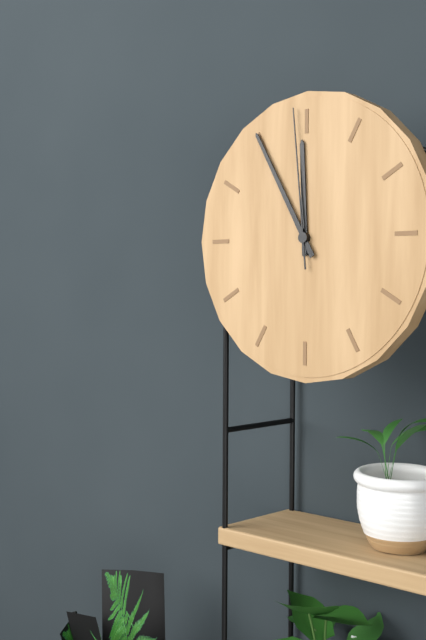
11:55:59
